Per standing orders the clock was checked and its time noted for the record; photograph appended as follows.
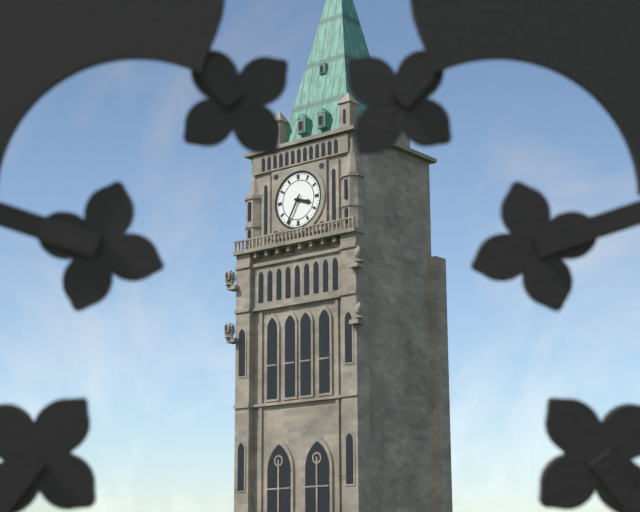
3:35
